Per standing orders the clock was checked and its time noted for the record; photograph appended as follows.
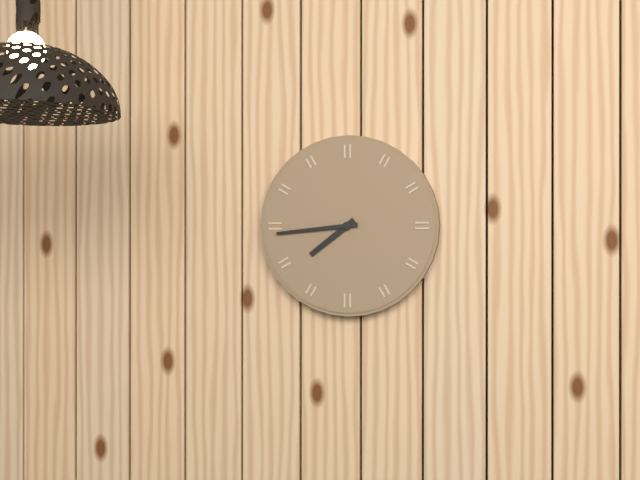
7:44
